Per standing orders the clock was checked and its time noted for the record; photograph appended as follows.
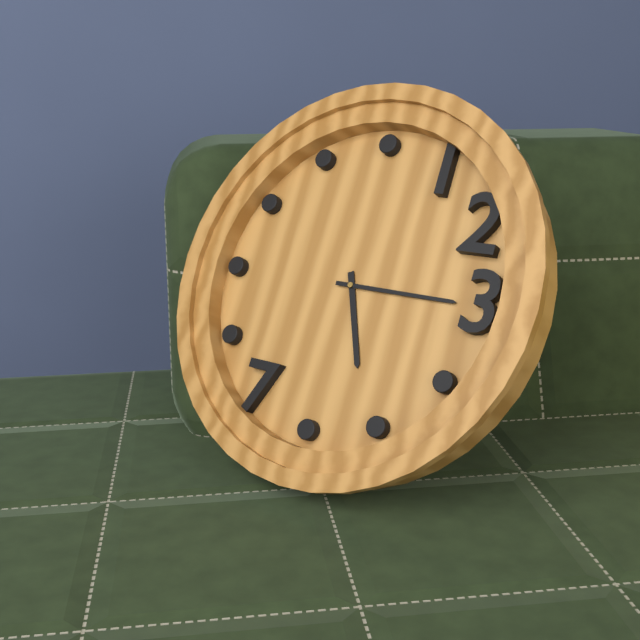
5:15
